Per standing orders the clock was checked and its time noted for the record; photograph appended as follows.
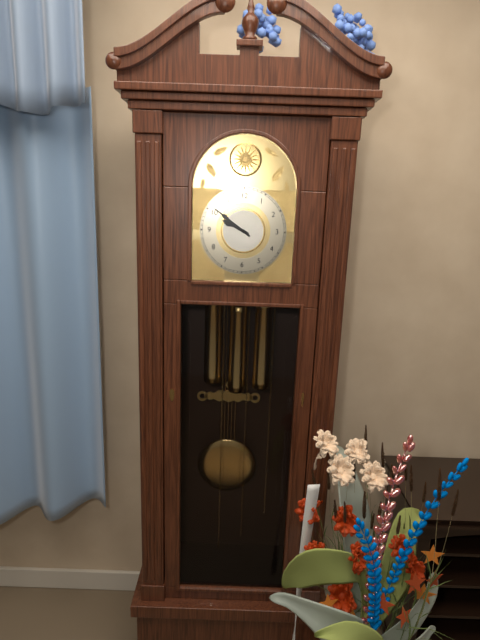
9:51
